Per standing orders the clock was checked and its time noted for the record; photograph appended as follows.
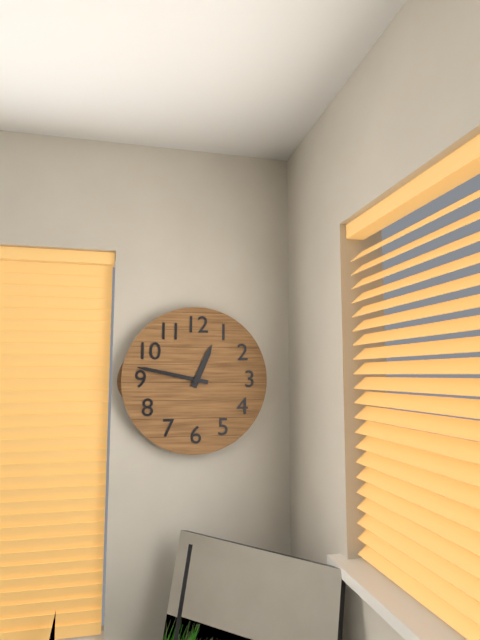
12:47
